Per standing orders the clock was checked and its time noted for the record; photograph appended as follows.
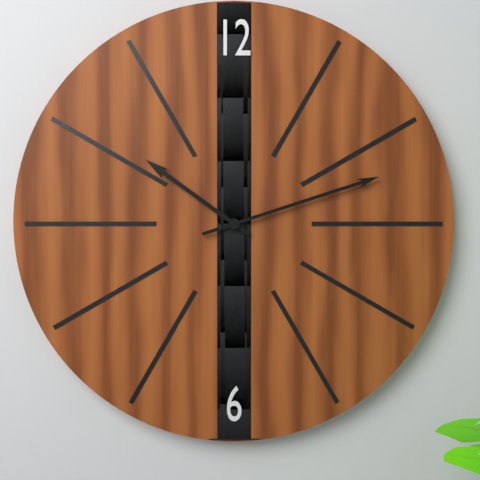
10:12
